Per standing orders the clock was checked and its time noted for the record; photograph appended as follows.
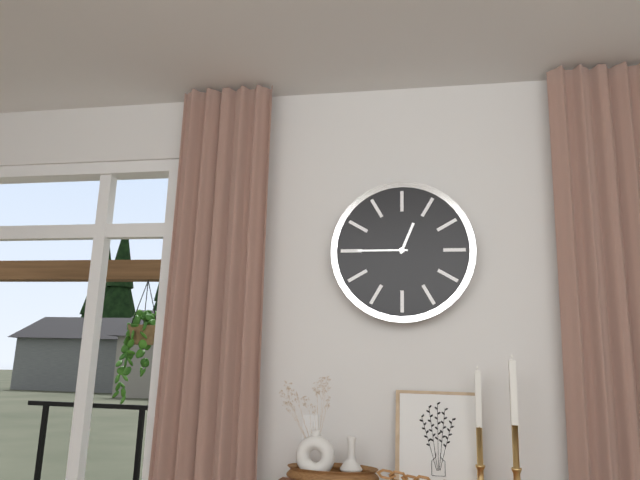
12:45
